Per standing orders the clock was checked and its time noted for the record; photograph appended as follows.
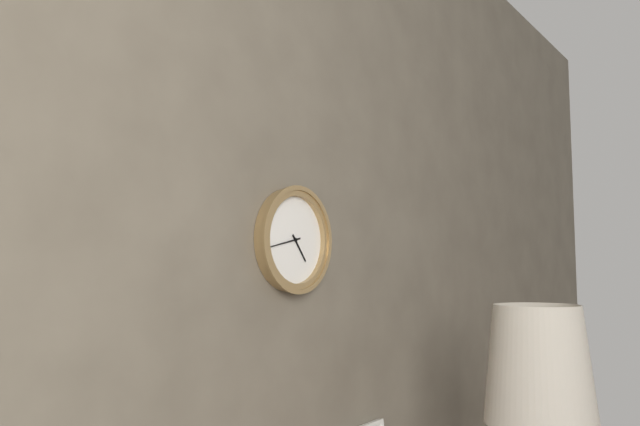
4:43
